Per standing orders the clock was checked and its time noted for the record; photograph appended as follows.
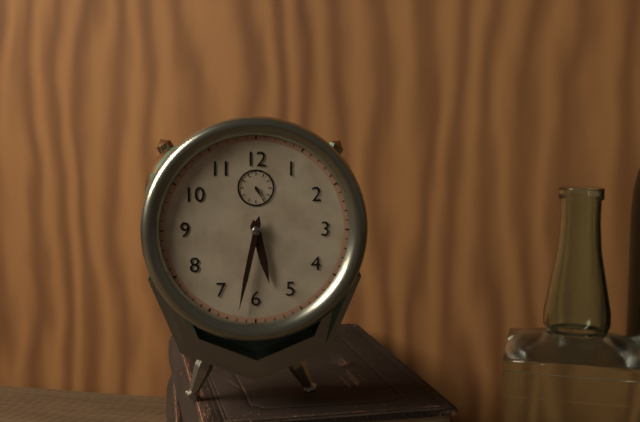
5:32
